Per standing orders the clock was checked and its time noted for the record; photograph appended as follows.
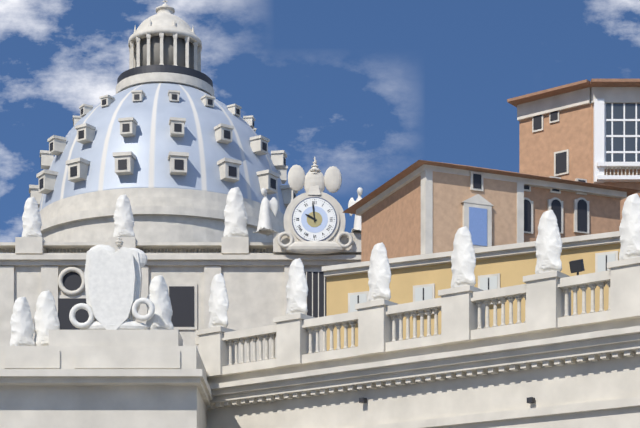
9:59
